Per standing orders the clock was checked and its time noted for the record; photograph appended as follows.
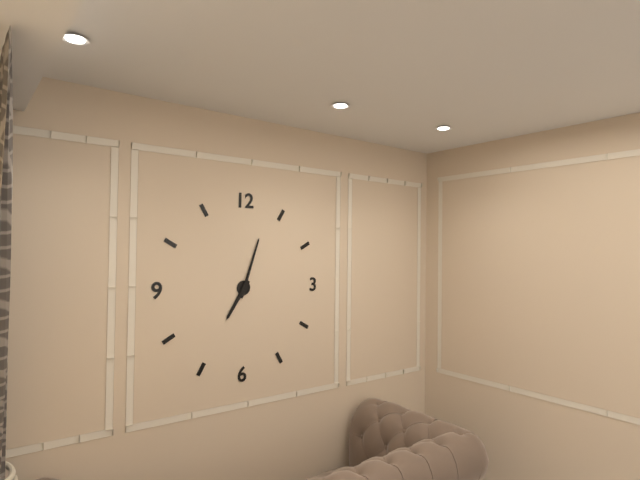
7:03
